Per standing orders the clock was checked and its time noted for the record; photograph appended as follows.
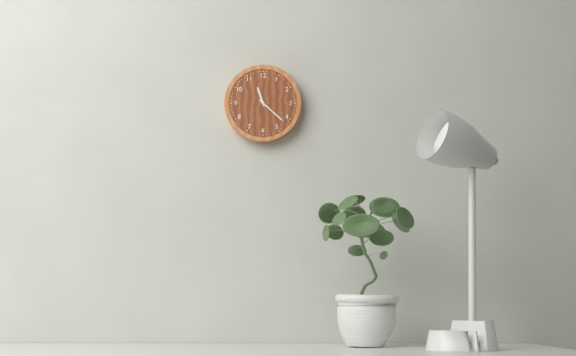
11:22
